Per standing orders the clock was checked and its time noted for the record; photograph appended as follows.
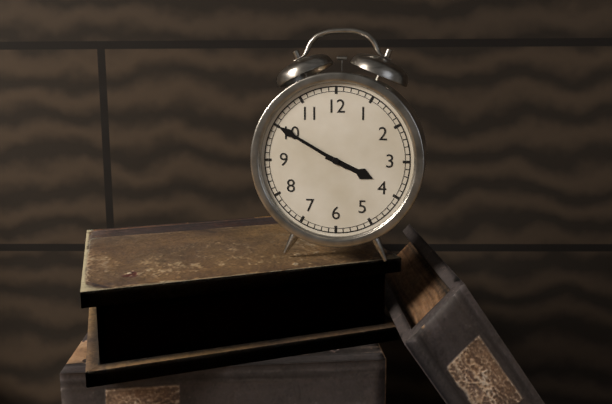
3:50
